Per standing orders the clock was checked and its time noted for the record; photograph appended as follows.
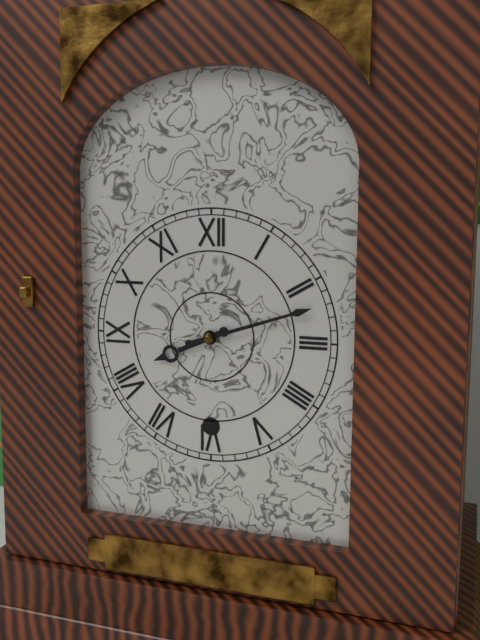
8:12
